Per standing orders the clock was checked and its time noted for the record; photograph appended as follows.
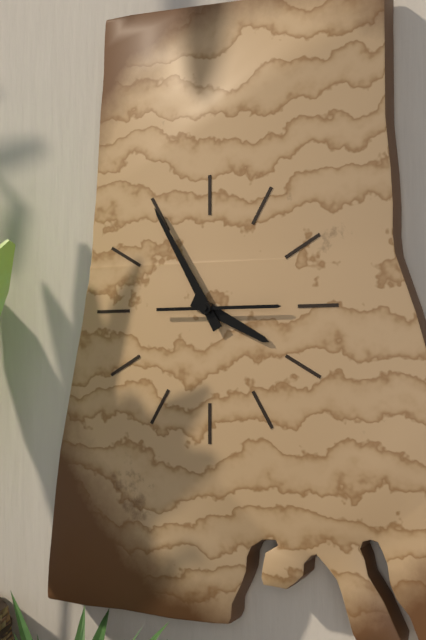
3:55:15
